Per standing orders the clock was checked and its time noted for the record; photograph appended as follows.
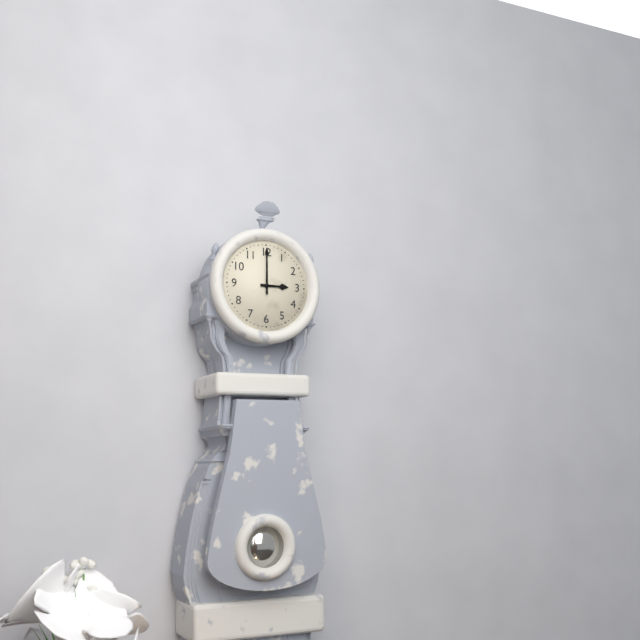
3:00
